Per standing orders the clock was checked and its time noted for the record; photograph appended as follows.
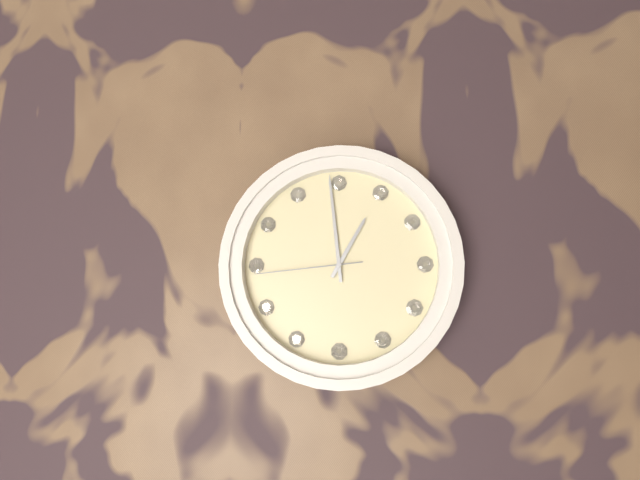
12:59:44
